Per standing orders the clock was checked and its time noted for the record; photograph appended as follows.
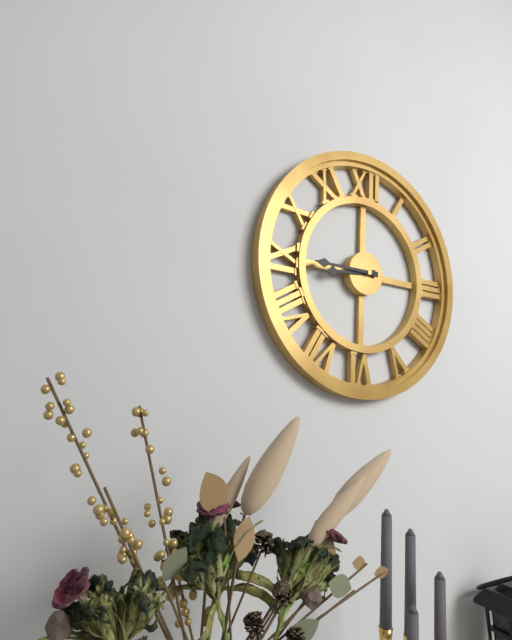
8:45
